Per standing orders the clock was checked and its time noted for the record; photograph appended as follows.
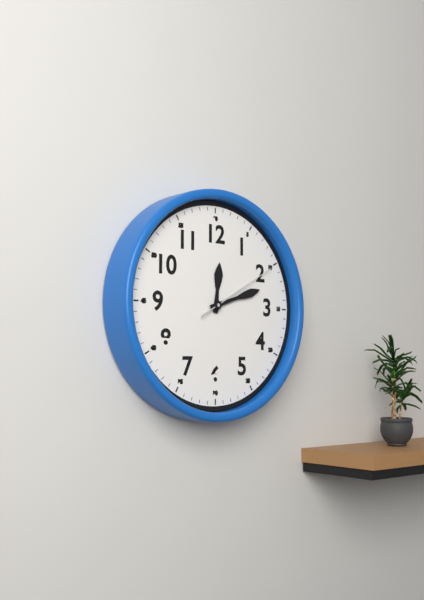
12:12:10
